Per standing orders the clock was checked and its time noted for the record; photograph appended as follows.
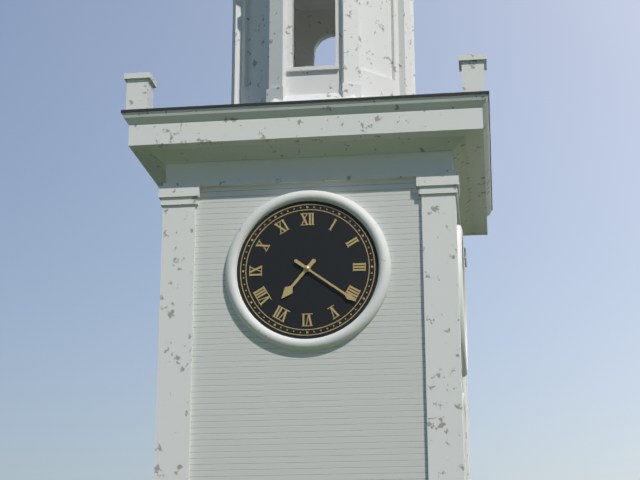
7:21
